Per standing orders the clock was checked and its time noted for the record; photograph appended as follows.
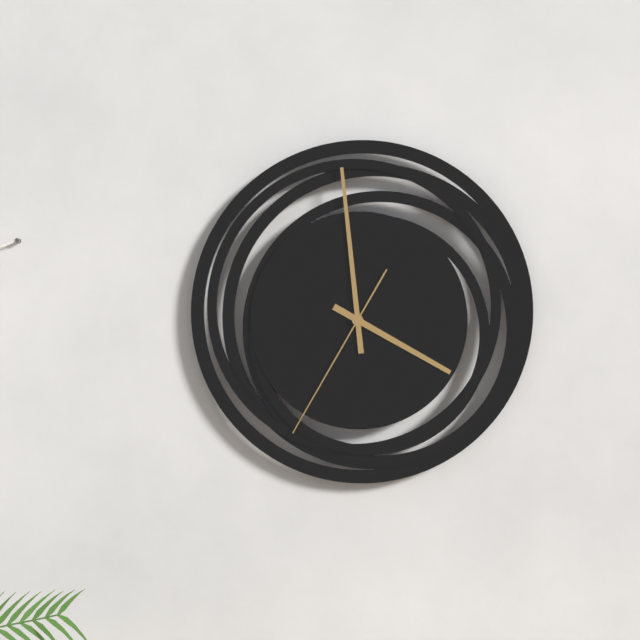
3:59:35
